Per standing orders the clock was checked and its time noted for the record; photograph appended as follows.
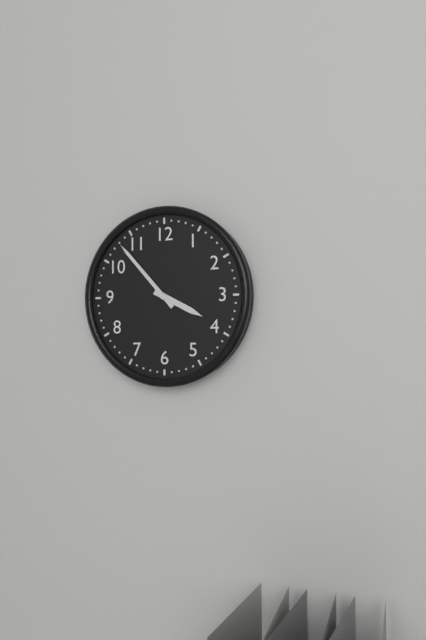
3:53
